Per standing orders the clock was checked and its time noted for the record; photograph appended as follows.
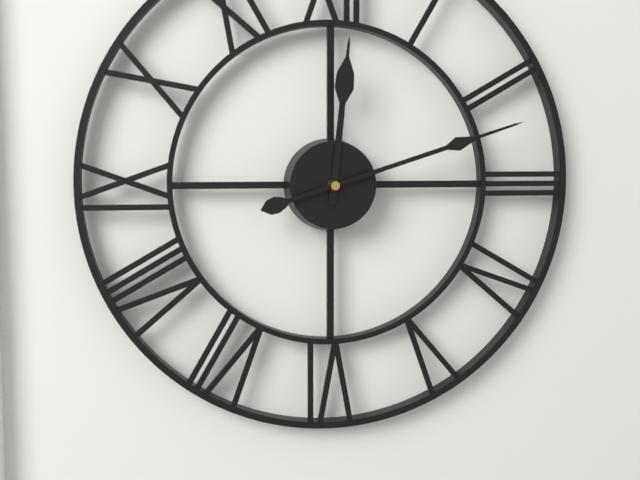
12:12
